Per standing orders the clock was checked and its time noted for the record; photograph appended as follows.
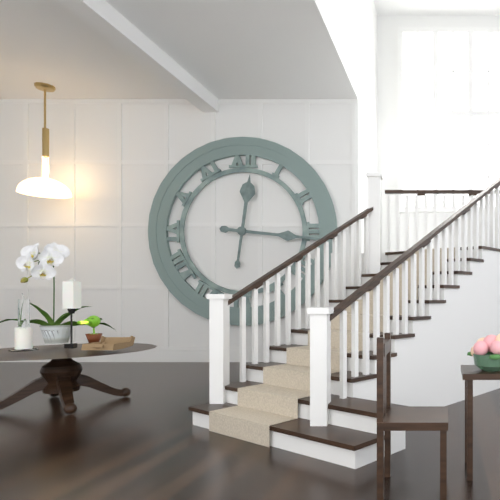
12:16
